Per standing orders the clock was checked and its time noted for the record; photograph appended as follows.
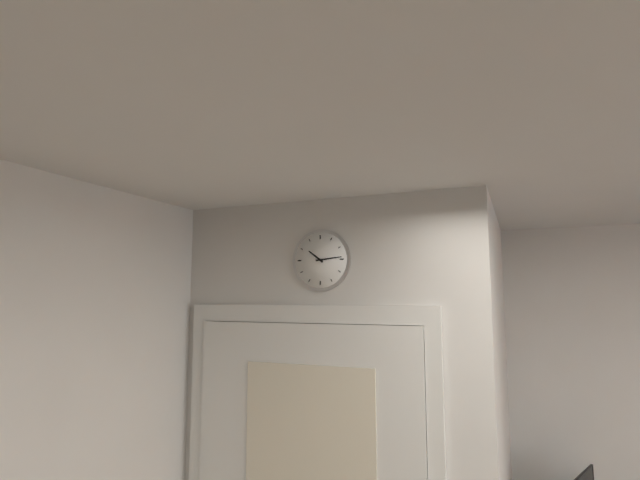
10:14
